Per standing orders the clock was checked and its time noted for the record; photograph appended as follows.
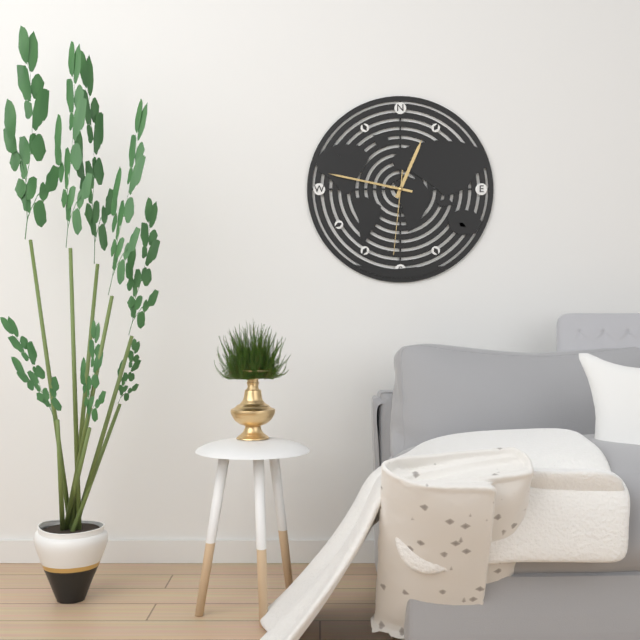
12:47:31
